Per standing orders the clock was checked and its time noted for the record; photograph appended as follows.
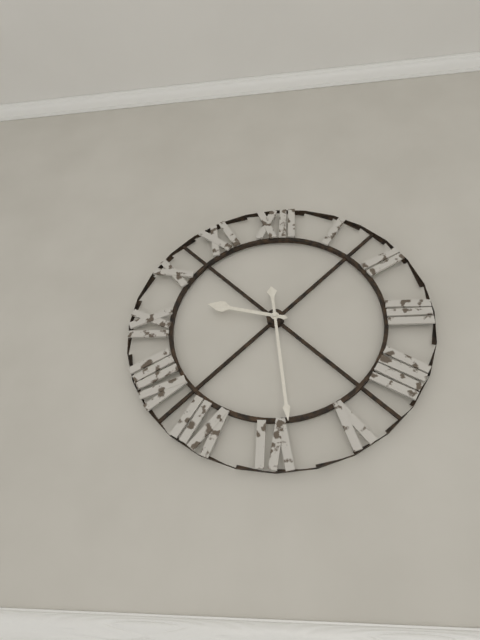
9:29
